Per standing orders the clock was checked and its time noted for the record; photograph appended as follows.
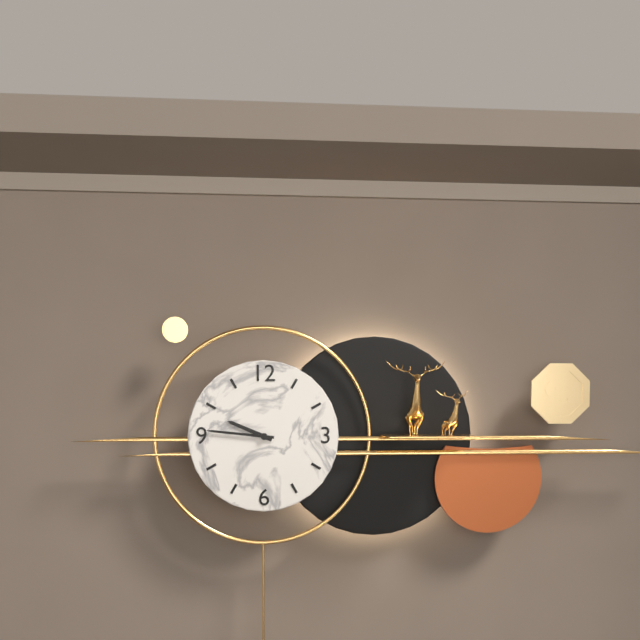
9:46
